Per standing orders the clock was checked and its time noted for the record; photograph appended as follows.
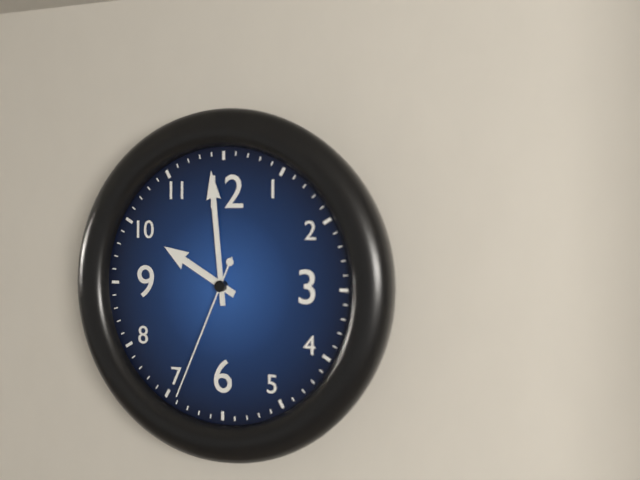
9:59:34
